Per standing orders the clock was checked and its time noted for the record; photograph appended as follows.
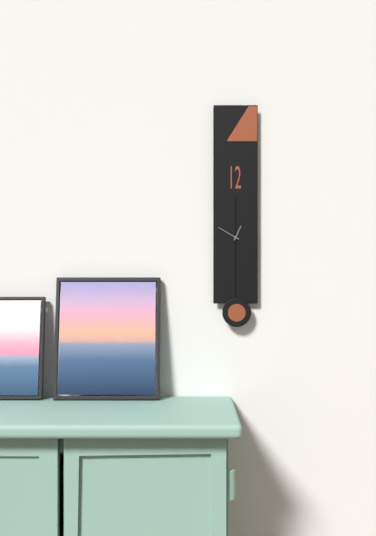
12:50
